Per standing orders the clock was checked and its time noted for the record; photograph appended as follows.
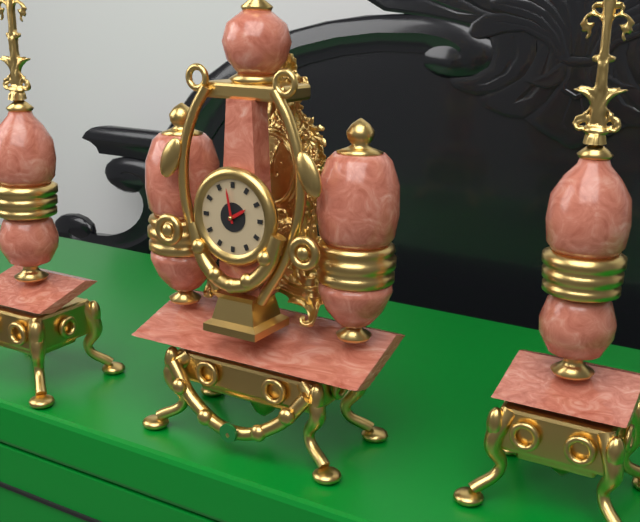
1:58
